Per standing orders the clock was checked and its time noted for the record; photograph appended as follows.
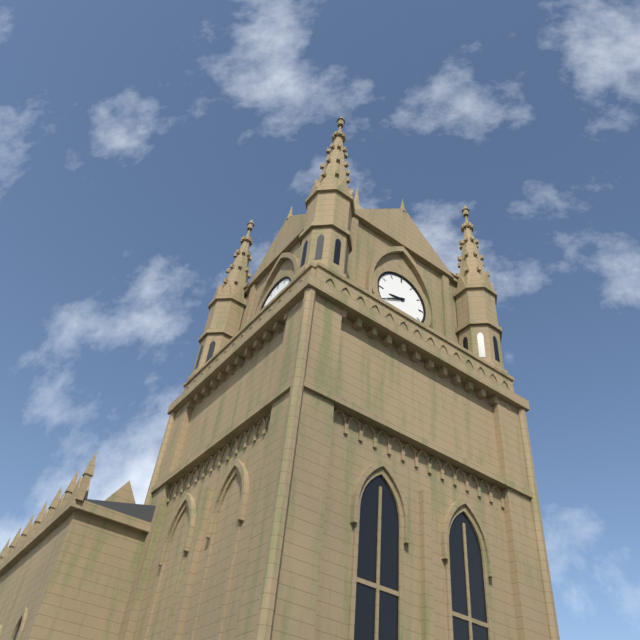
8:40
